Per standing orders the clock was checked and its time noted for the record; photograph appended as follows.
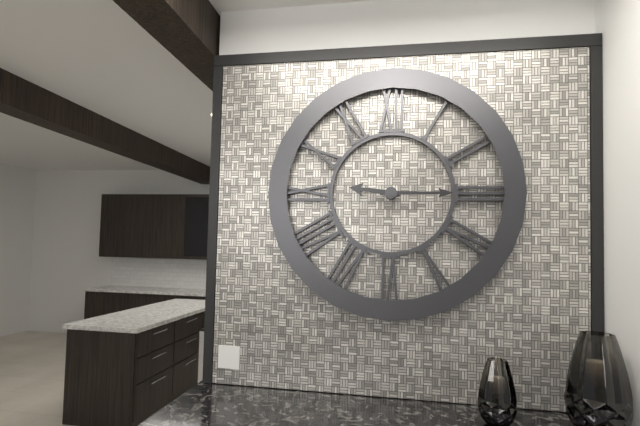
9:15
